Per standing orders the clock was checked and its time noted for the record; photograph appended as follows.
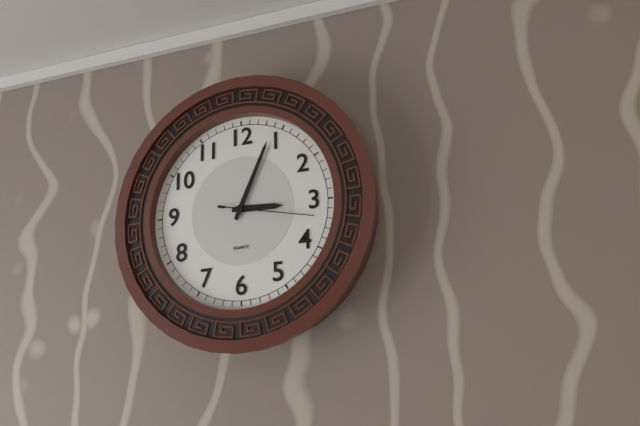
3:04:17
